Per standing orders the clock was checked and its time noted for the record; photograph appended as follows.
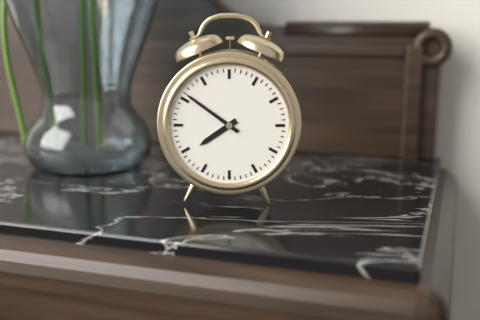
7:51
